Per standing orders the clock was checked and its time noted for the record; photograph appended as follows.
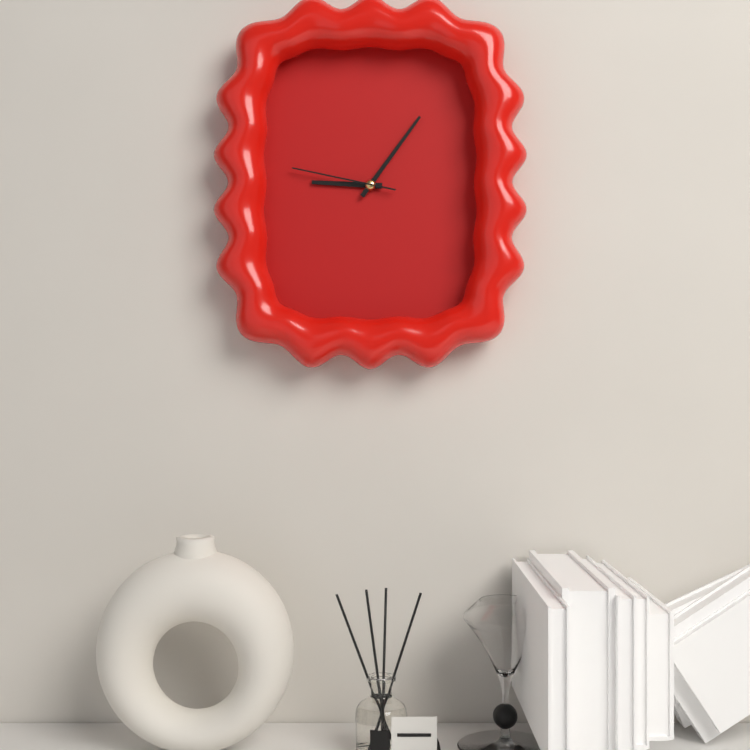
9:06:47
